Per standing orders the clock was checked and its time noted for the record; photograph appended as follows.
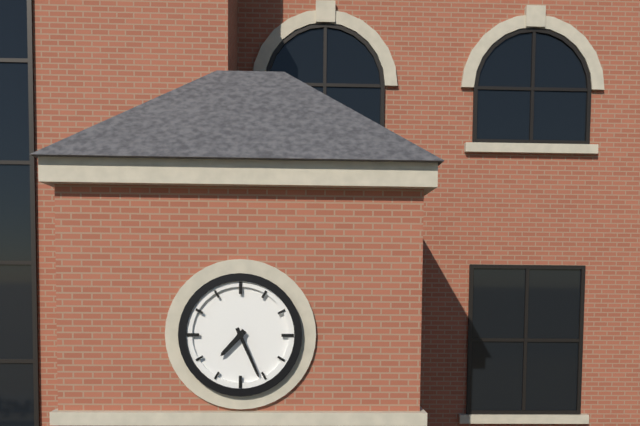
7:26
